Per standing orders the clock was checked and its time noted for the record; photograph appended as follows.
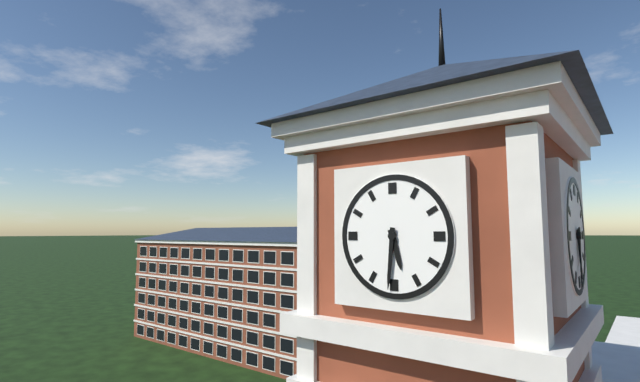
5:31
